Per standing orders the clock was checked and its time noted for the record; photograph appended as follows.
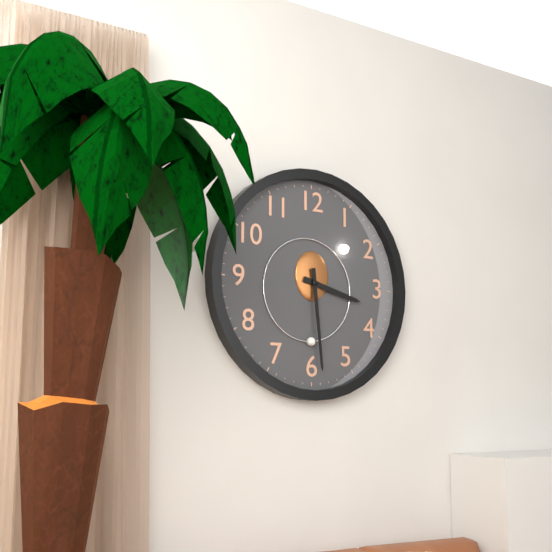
3:29
